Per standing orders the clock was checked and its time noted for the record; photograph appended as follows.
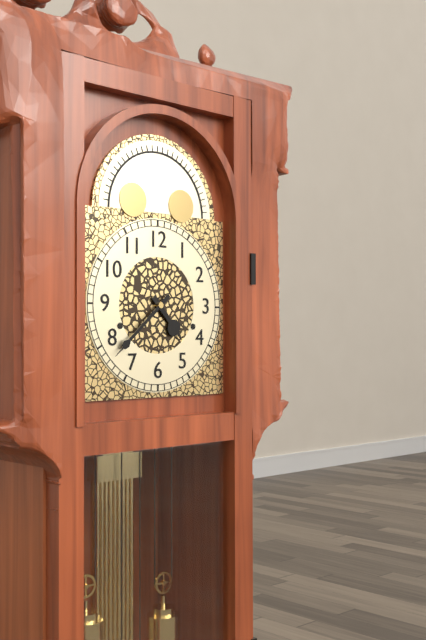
4:38
